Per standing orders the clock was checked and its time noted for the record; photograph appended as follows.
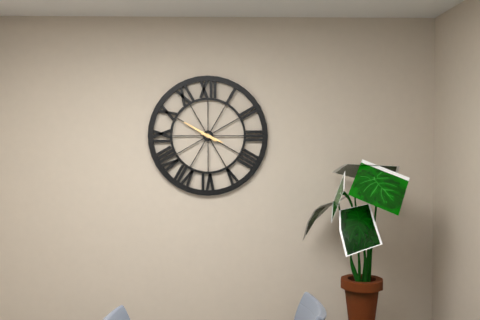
3:50
